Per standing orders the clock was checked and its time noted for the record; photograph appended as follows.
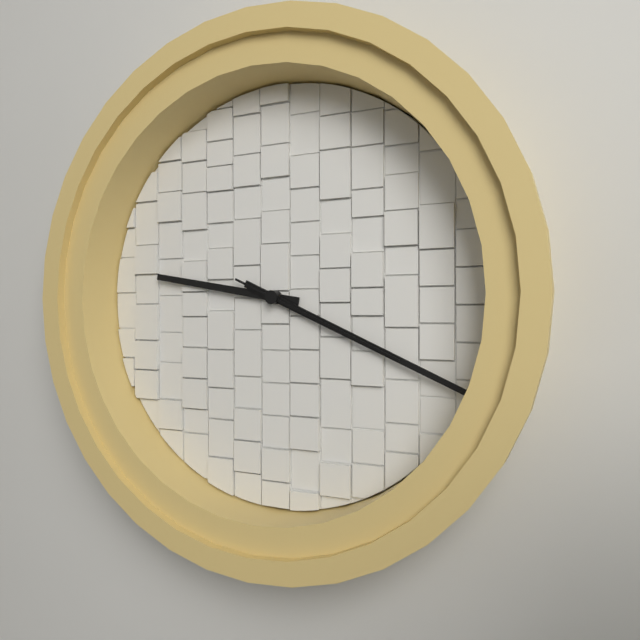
9:19:19
